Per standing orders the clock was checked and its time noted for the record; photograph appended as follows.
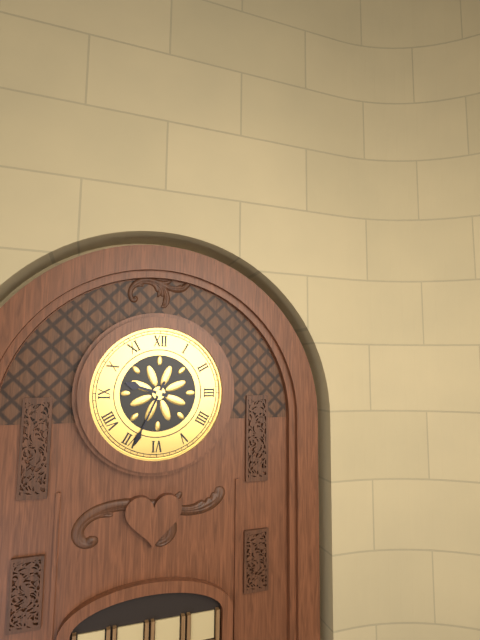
9:34
